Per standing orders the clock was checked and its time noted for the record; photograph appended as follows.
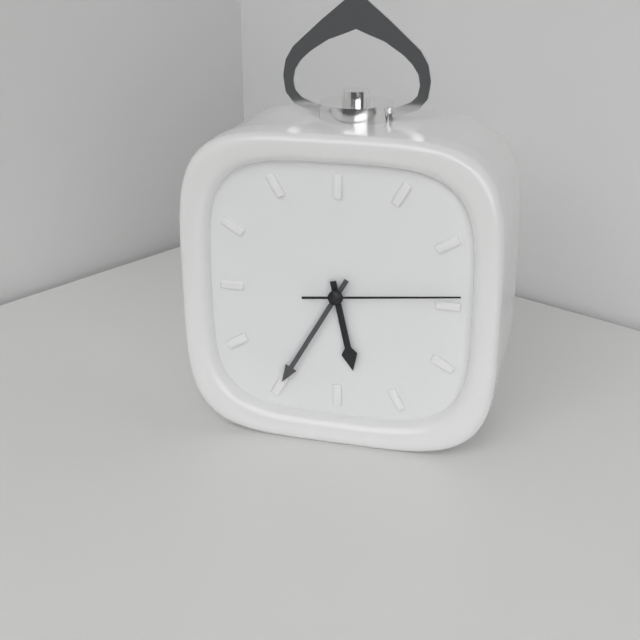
5:35:14
